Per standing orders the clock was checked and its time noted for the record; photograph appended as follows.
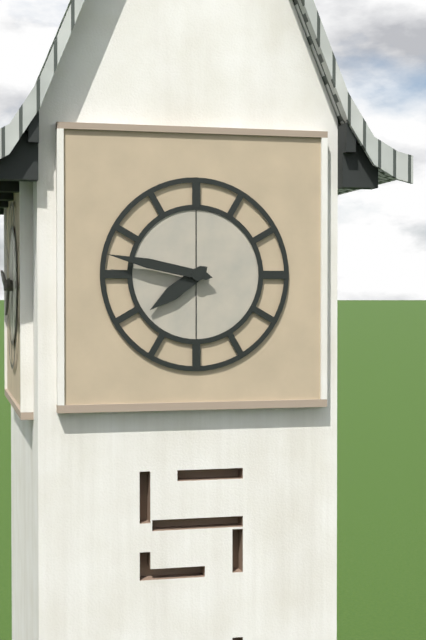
7:47
